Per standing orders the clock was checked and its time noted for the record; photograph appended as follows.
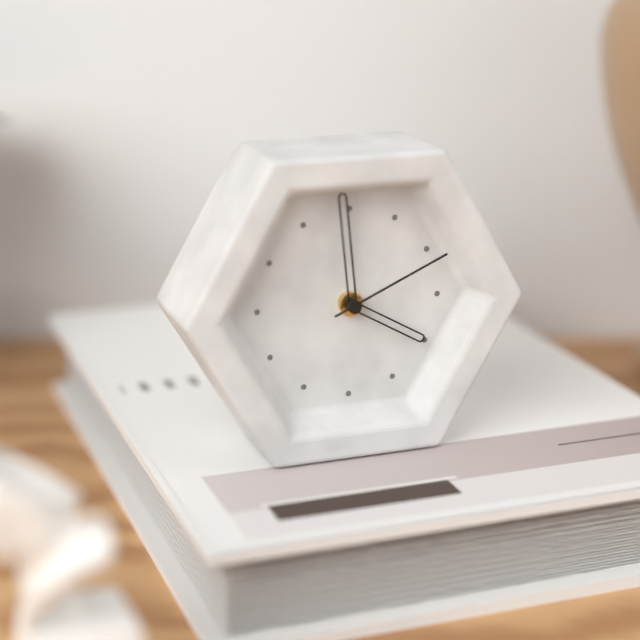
3:59:11
